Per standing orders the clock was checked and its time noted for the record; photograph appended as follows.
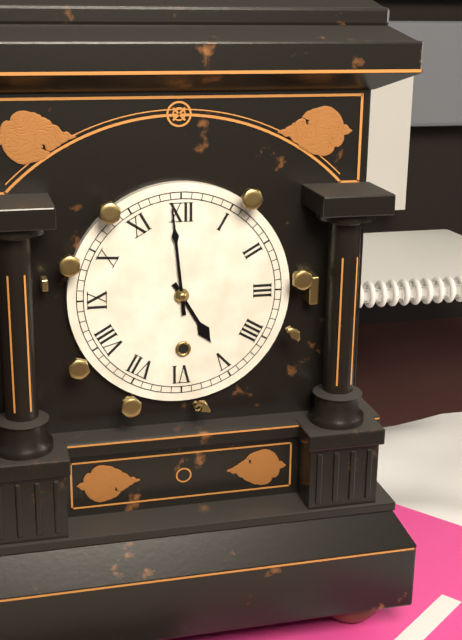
4:59
